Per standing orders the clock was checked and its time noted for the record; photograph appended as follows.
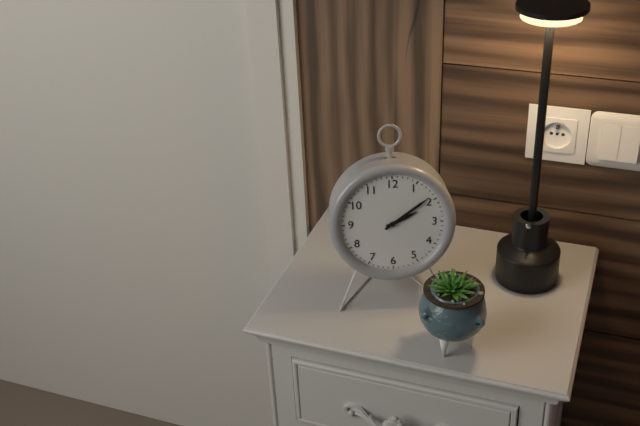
2:09
